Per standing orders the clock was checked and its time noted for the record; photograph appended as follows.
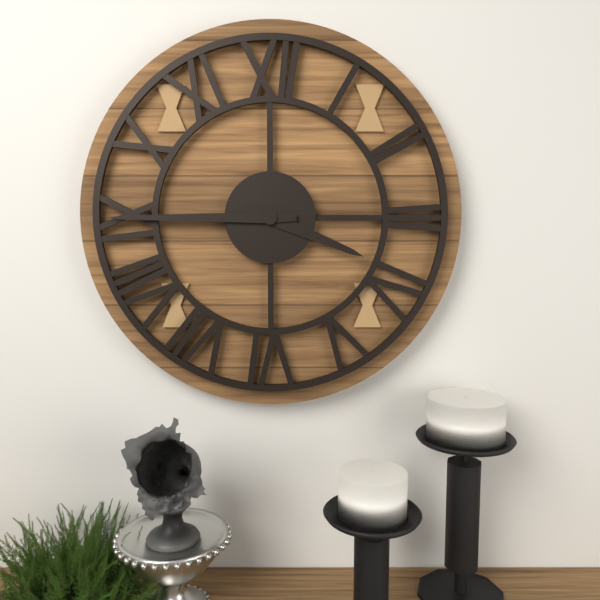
3:45
